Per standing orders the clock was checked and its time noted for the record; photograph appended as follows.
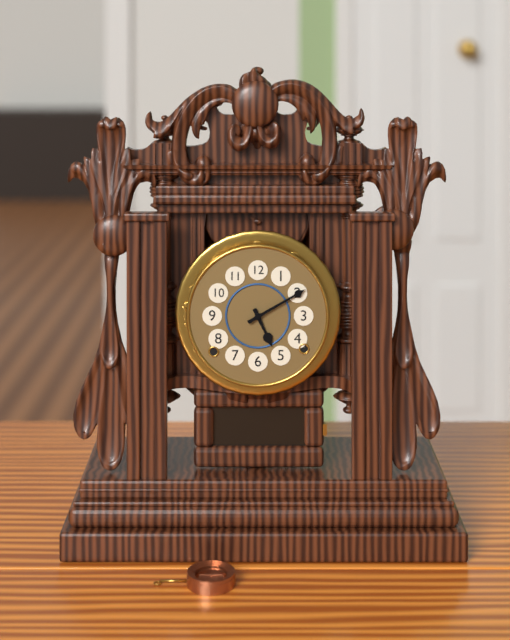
5:10
